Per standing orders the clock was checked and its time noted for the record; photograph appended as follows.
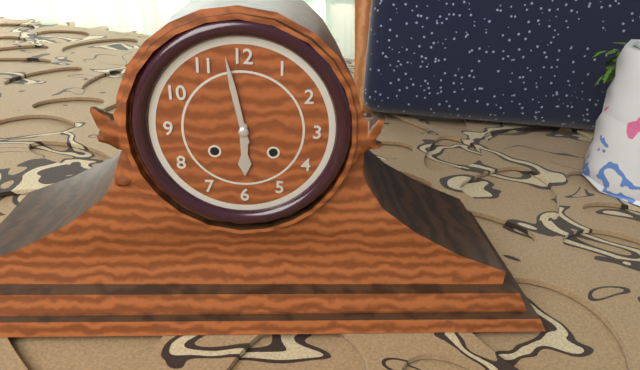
5:58
